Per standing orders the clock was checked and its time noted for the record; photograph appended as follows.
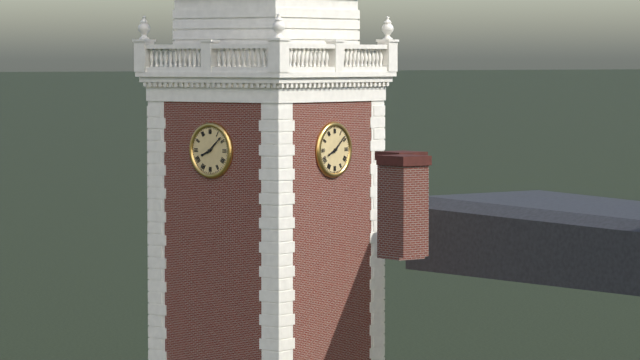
8:08
